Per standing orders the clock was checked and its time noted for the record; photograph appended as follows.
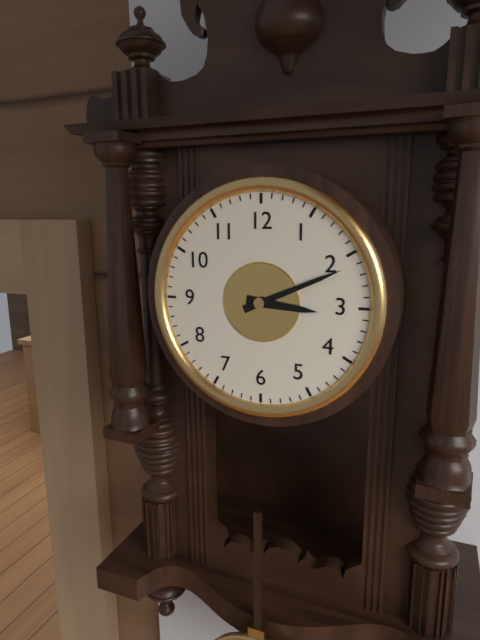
3:11
